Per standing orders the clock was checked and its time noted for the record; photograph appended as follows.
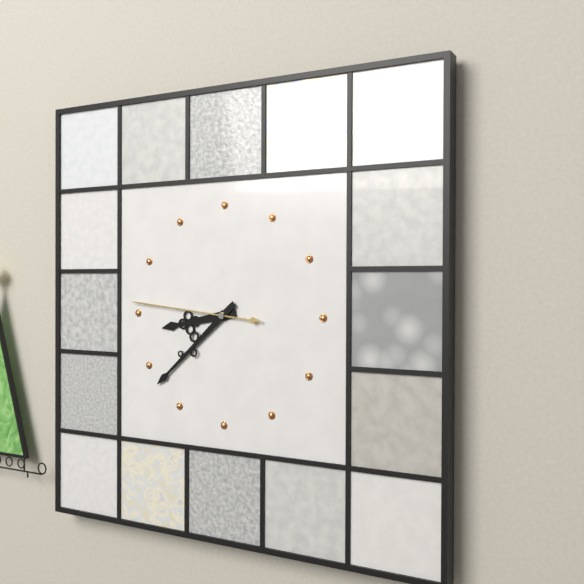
8:38:46
